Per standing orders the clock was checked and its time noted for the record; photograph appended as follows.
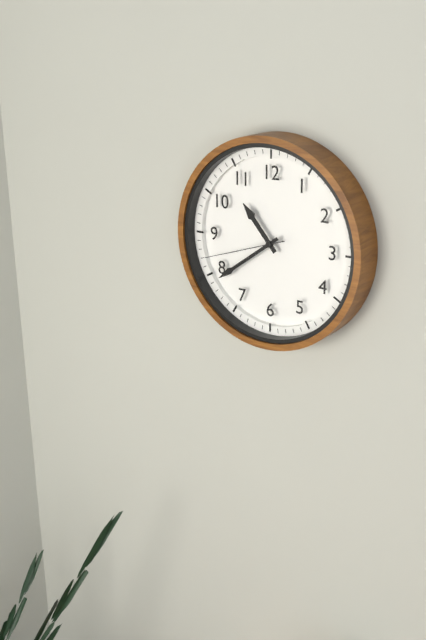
10:39:42
